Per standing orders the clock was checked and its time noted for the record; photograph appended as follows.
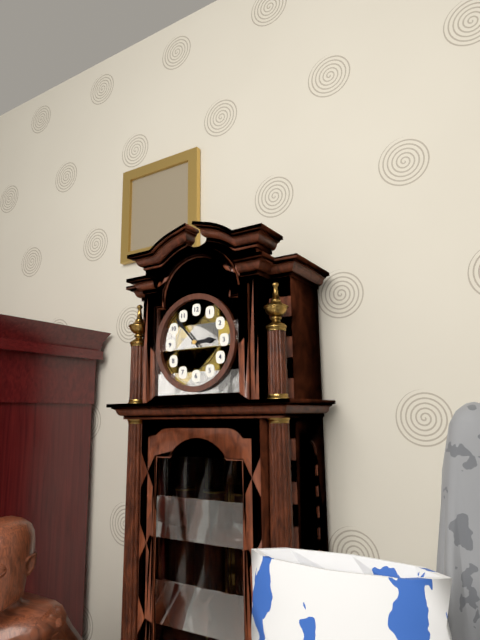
2:53
